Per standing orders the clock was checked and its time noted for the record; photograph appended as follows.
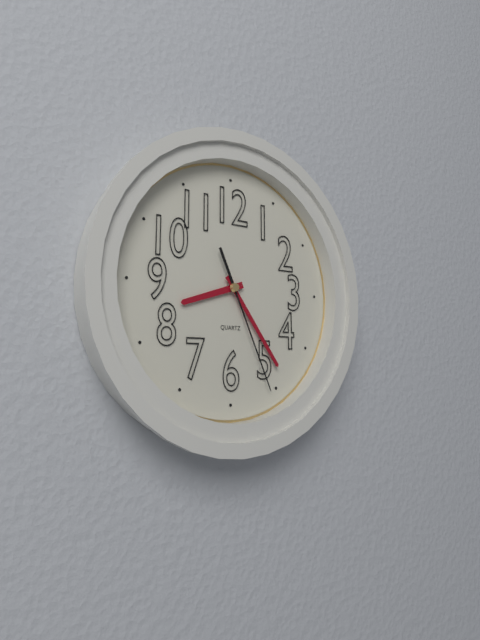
8:24:26
